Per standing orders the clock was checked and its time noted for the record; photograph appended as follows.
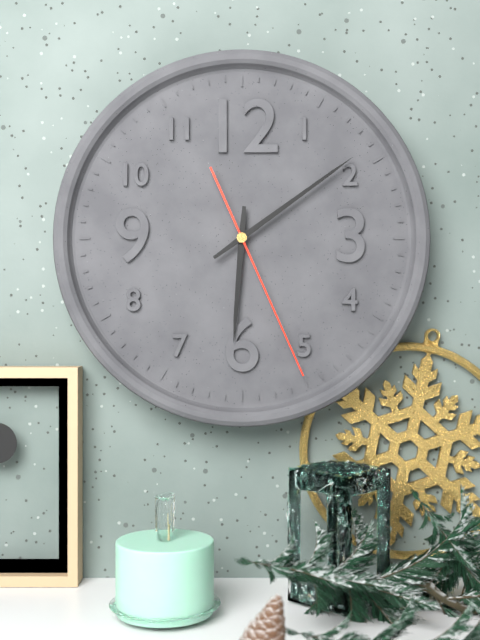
6:09:26
